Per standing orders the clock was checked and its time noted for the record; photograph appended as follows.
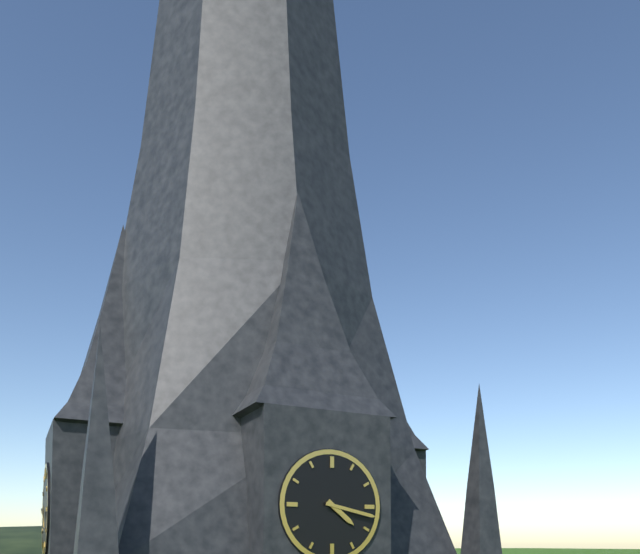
4:17
